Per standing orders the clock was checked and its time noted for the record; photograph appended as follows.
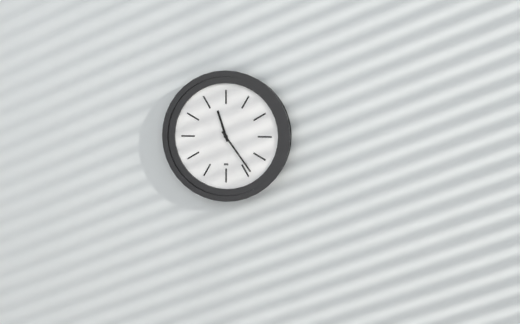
11:24
